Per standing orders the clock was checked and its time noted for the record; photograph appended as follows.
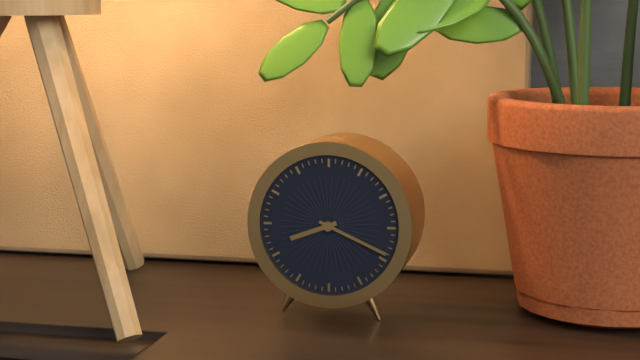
8:19
